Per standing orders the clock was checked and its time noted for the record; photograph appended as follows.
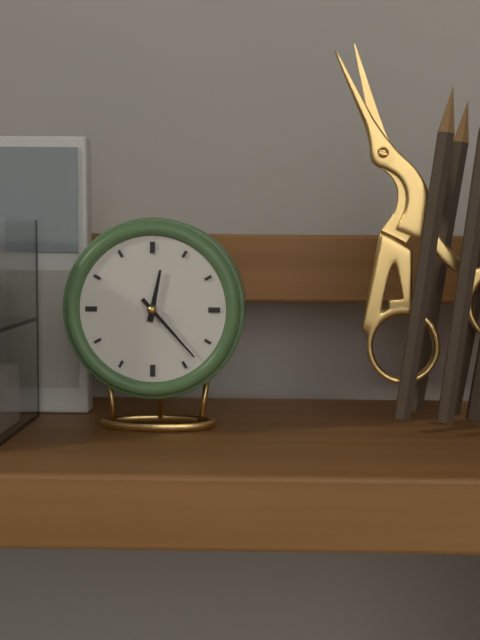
12:23
